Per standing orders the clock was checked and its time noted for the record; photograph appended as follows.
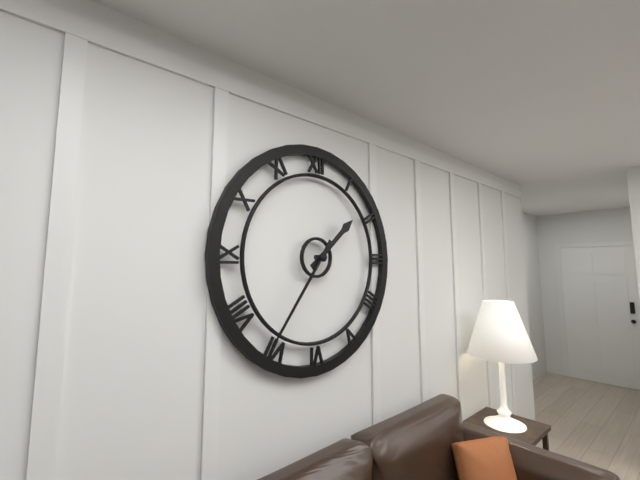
1:36
